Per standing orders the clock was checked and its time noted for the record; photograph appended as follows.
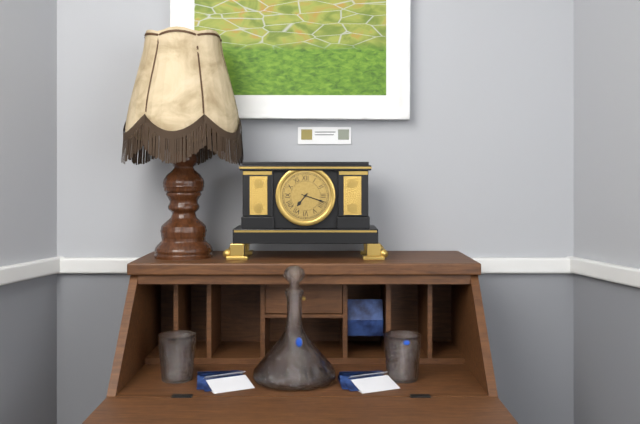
7:18
